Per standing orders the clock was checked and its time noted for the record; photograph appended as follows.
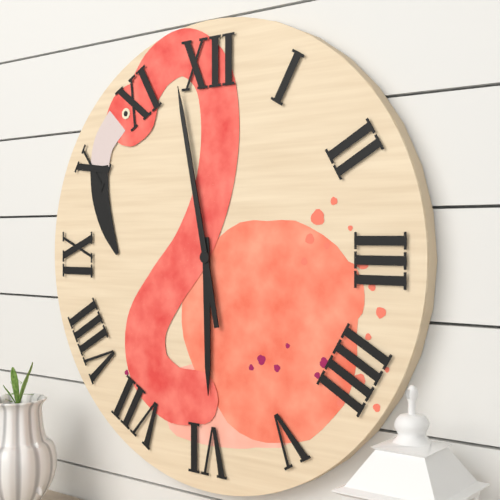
5:58
